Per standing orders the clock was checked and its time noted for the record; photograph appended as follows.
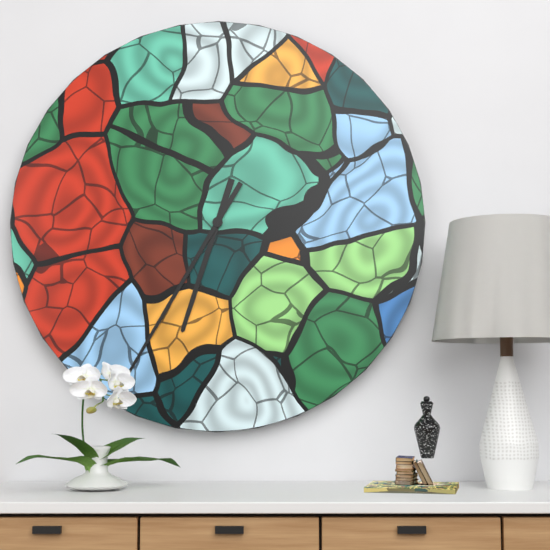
6:35
